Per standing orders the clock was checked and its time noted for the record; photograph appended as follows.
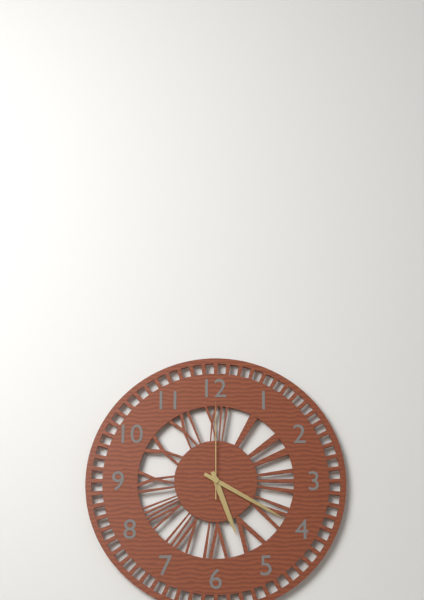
5:20:00
